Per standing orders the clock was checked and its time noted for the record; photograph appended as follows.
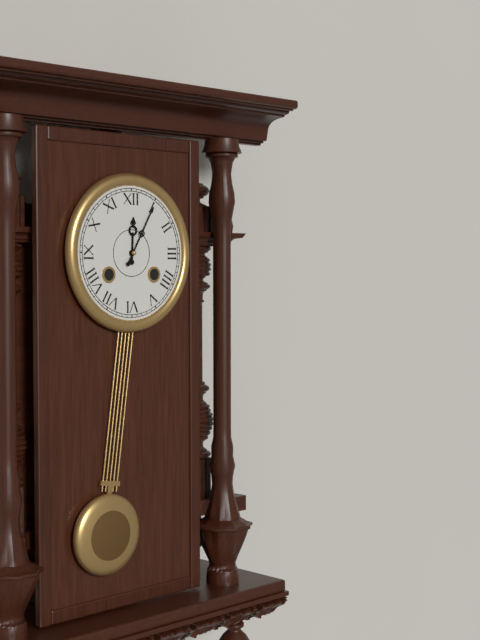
12:05
